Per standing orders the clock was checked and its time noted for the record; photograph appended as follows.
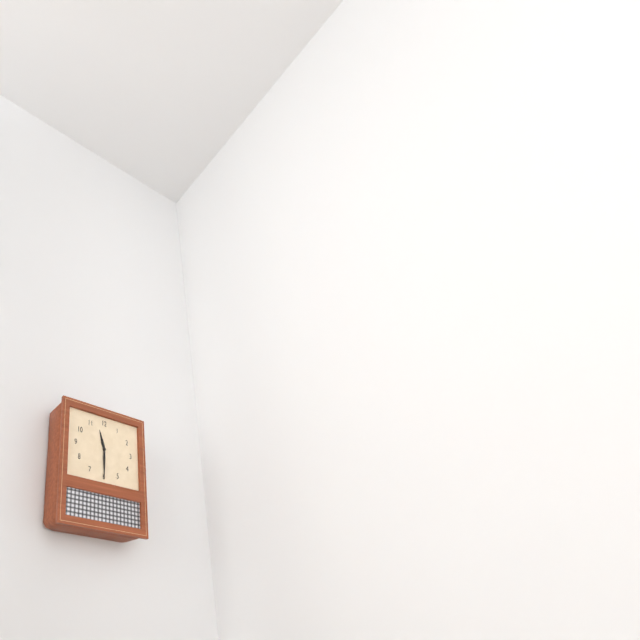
11:30
